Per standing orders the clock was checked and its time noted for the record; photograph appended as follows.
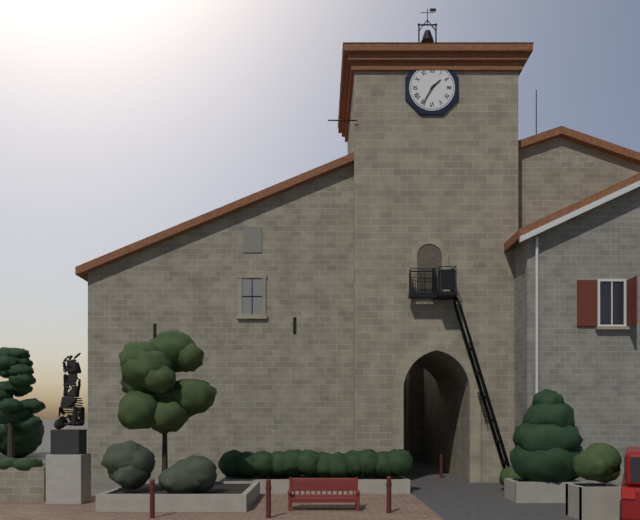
1:35
